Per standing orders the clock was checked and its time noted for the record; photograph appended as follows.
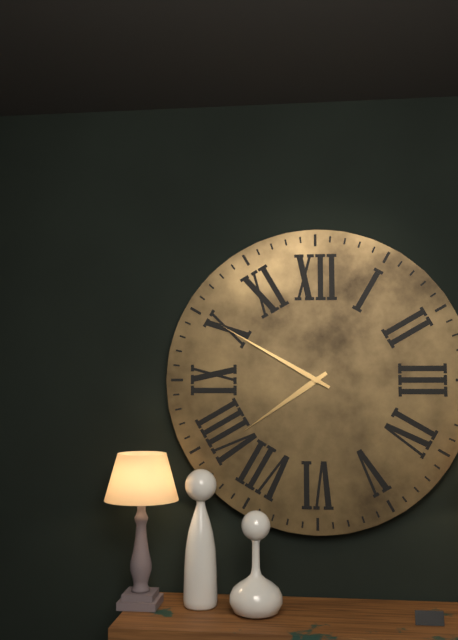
7:50
